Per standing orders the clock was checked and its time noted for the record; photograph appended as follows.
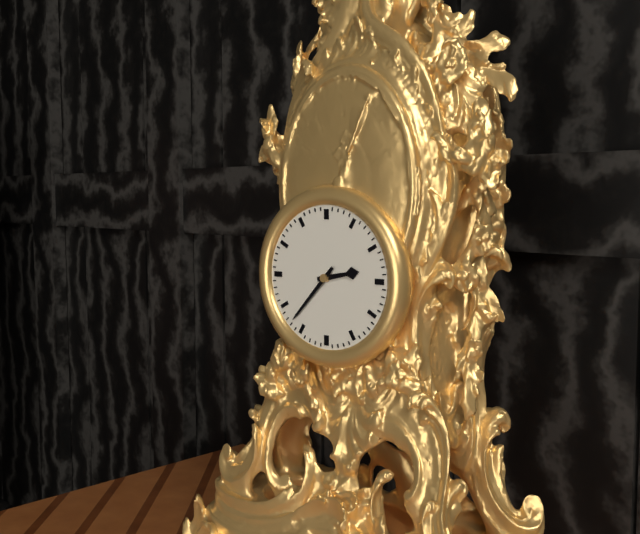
2:37
